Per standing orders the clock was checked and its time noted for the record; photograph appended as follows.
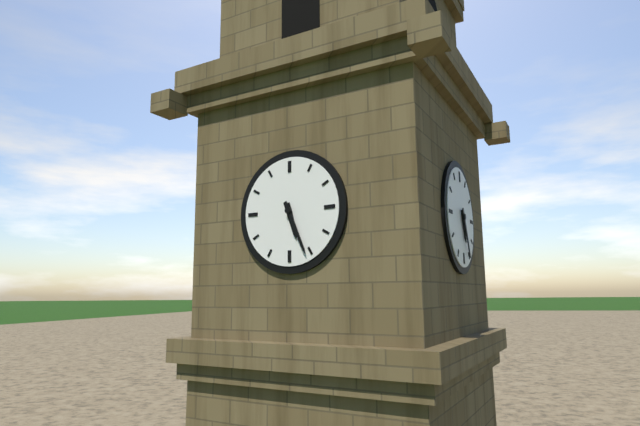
5:26
